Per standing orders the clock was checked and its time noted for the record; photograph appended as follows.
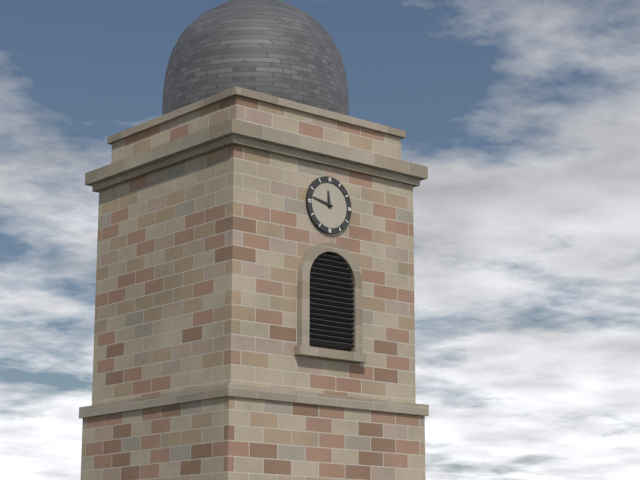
11:47
